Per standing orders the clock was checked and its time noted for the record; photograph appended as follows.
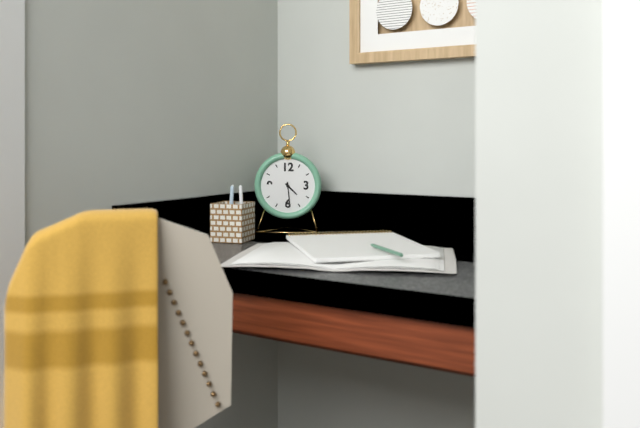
4:29
